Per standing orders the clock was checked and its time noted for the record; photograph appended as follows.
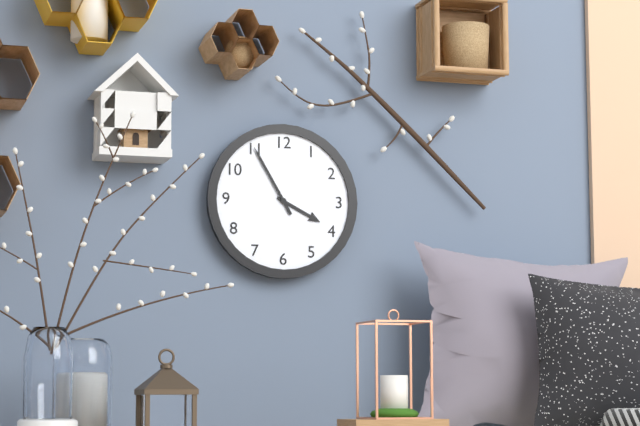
3:55
